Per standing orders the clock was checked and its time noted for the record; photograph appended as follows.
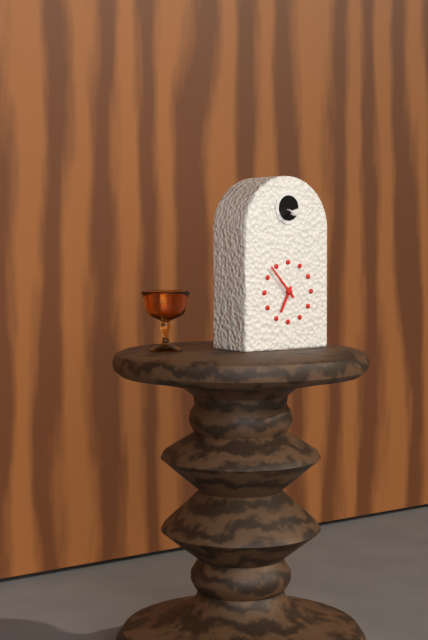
6:53
